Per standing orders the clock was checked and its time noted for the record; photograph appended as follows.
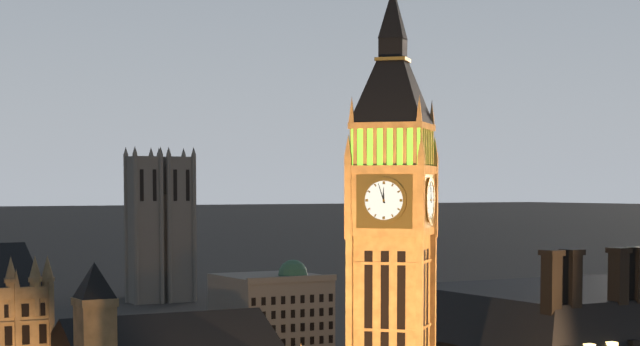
11:57
